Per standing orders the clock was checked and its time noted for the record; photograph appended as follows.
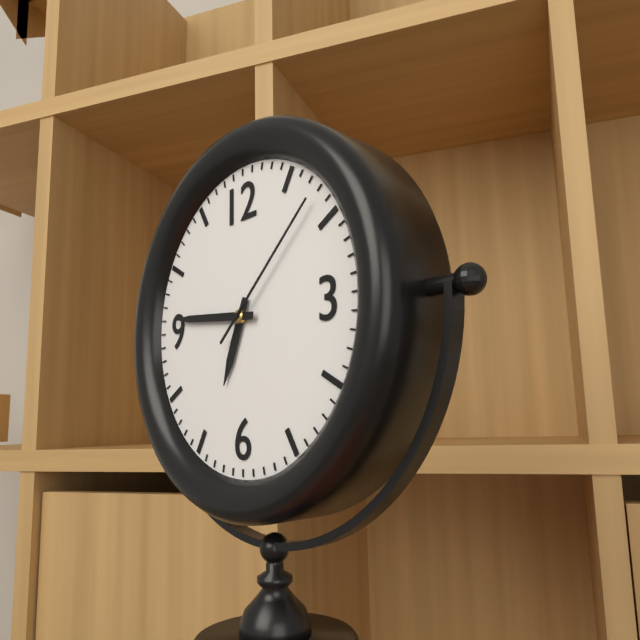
6:46:08
